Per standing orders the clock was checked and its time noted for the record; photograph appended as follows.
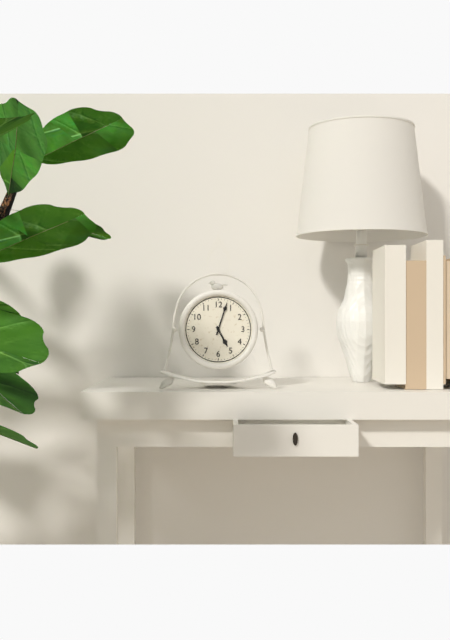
5:03
